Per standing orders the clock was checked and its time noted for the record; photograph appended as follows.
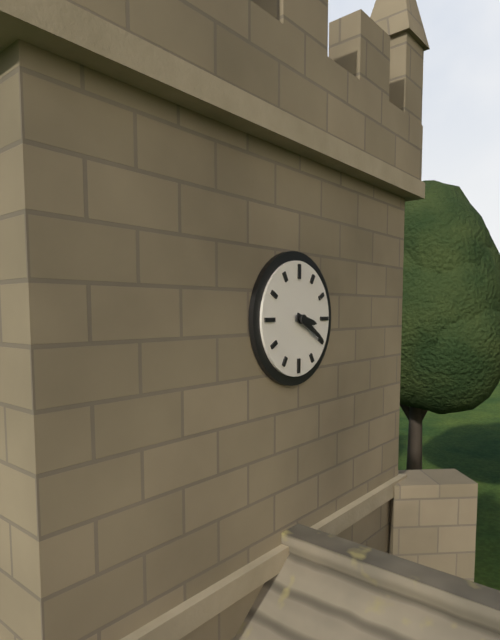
3:20
